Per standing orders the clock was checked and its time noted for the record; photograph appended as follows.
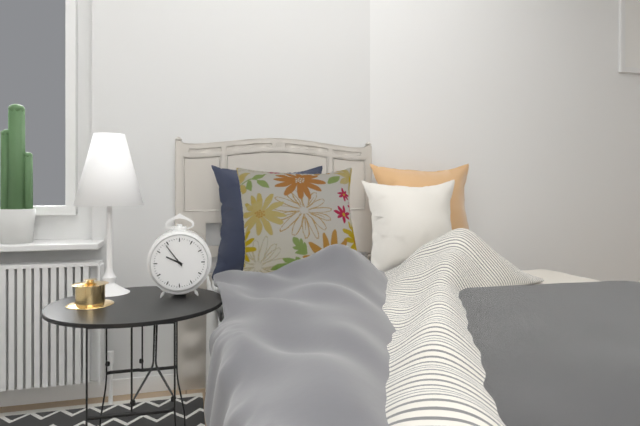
9:54
